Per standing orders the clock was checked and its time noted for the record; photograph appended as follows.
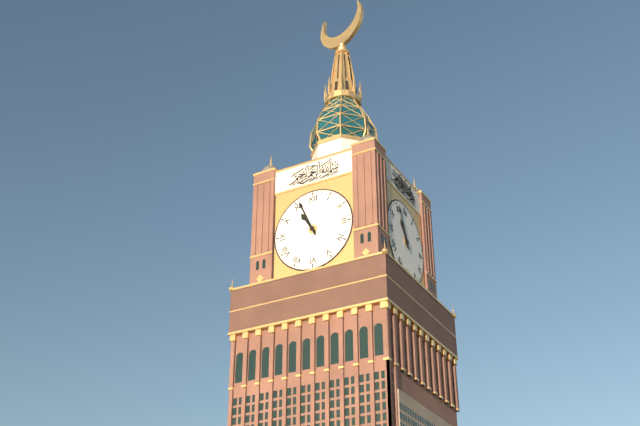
10:56
